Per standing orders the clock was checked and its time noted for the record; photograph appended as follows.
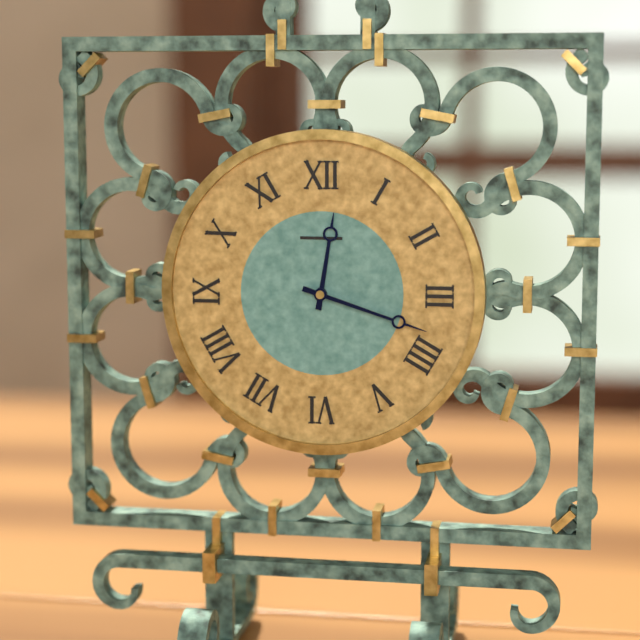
12:18
